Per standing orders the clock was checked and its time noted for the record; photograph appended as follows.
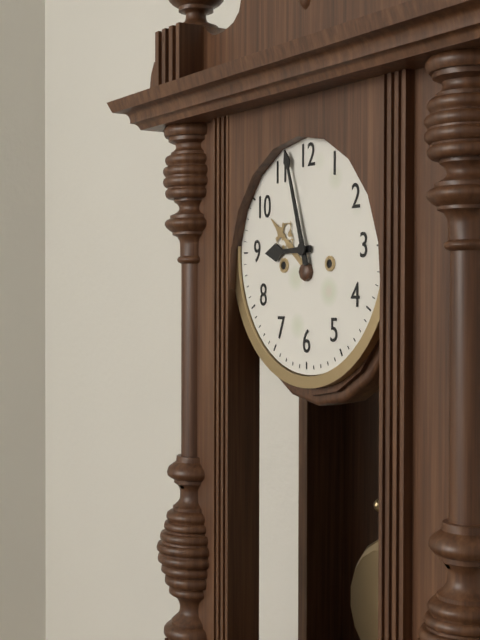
8:57
